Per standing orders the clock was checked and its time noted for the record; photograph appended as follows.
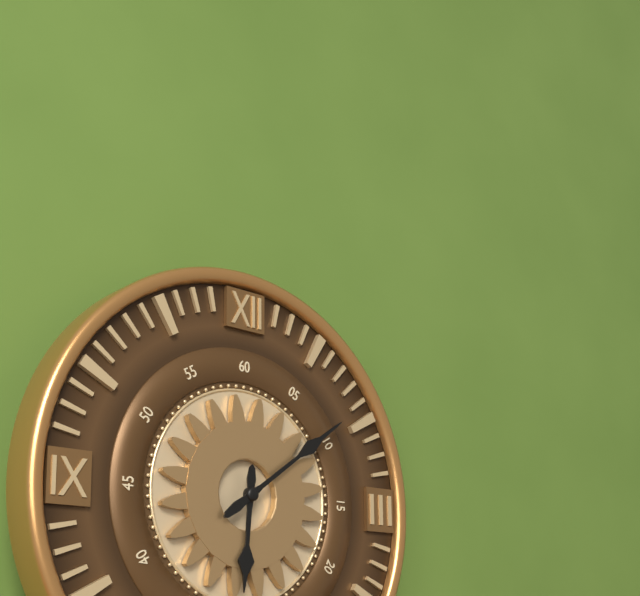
6:09
